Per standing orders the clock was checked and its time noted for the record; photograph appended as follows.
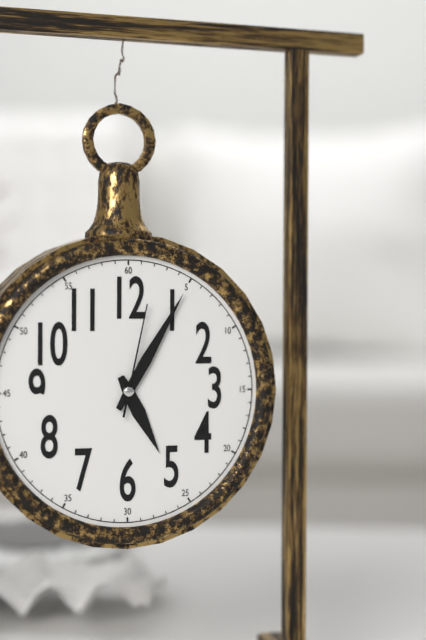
5:05:02
